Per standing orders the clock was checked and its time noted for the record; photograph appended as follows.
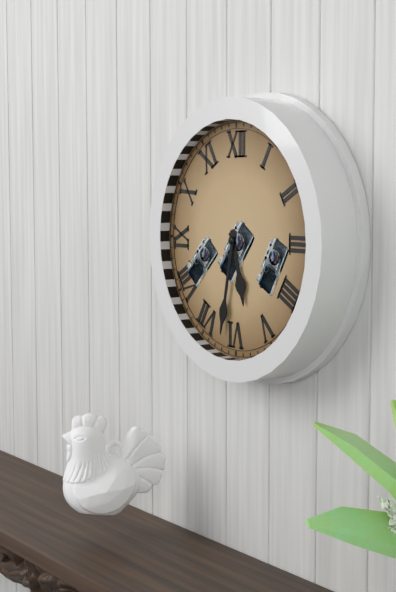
5:32
